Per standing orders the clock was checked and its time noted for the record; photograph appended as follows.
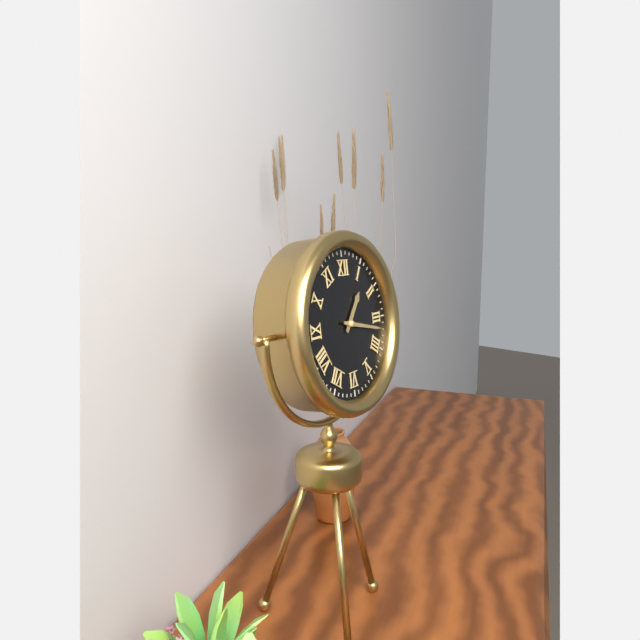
1:17
